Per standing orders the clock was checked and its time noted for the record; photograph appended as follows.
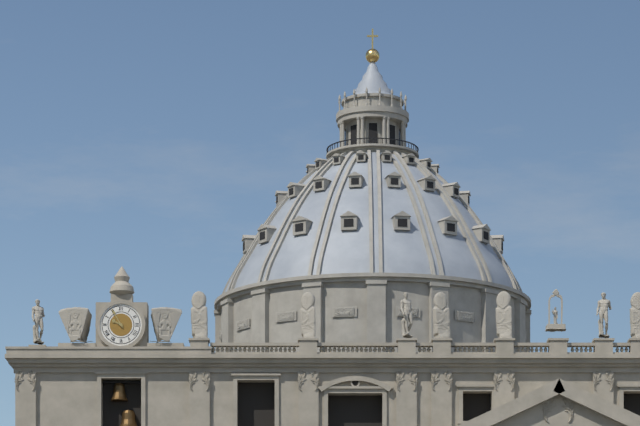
9:55
